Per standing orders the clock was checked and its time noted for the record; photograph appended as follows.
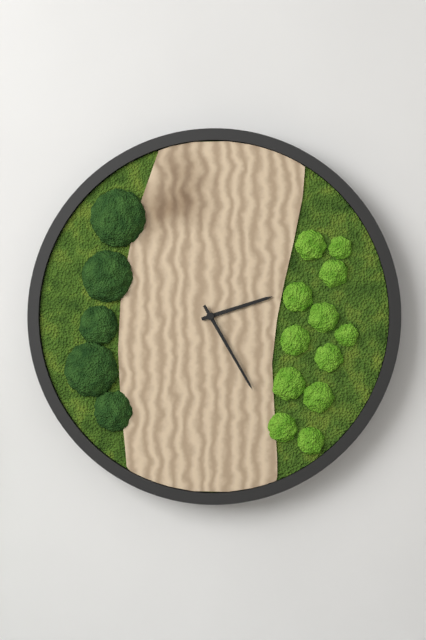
2:25
